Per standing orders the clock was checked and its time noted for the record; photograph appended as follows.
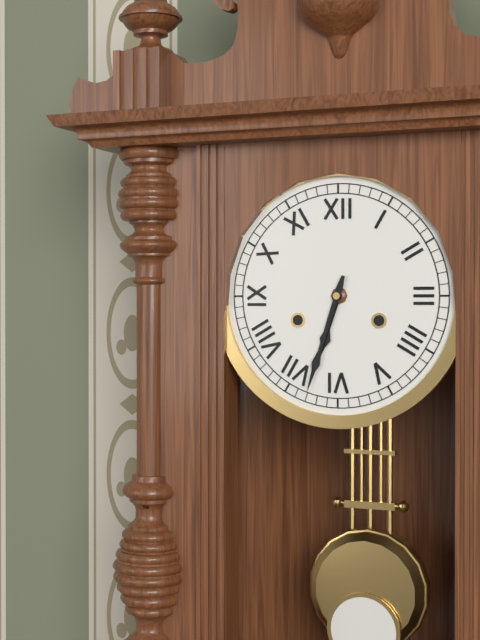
6:33
